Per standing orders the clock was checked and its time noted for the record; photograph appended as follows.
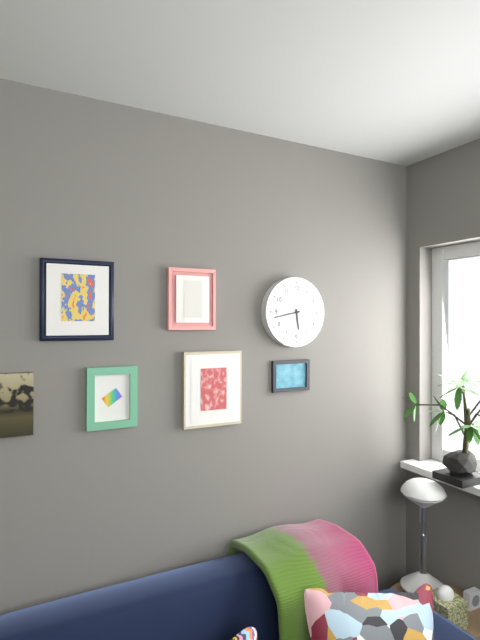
5:43
